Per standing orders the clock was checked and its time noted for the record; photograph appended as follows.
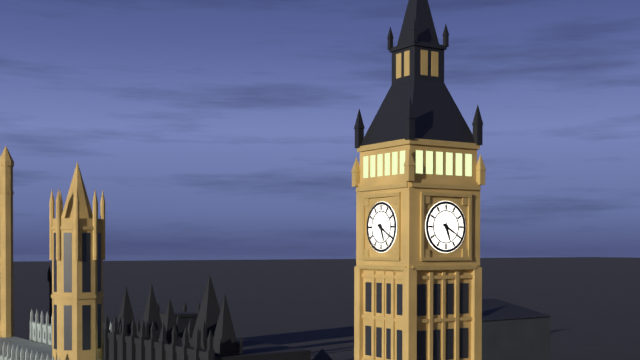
5:20
